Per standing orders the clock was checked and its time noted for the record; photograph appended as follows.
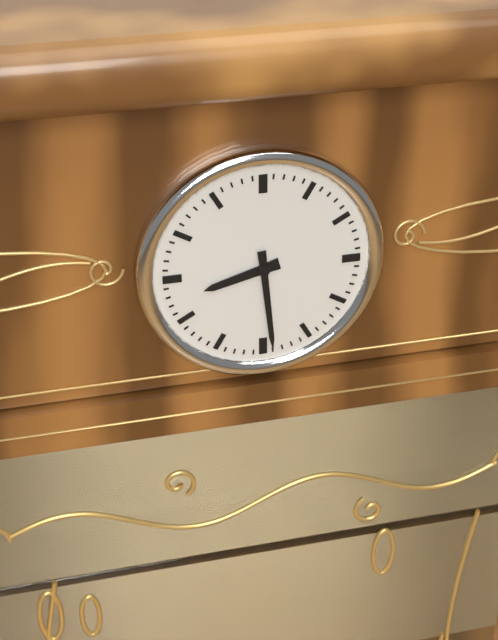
8:29
